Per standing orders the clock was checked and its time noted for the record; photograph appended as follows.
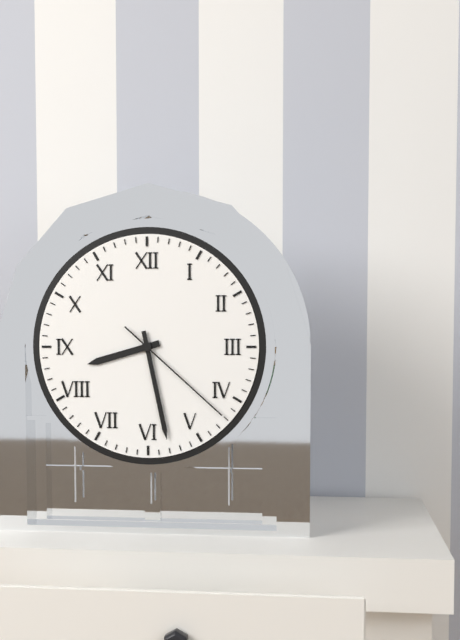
8:28:22
